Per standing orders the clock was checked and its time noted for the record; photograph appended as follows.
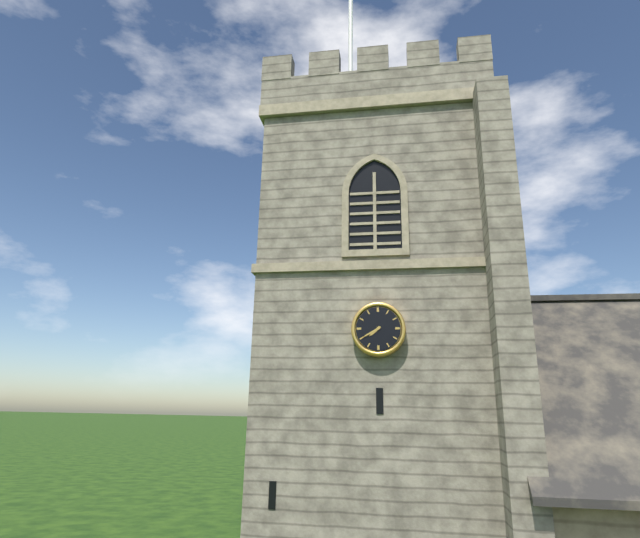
7:40
